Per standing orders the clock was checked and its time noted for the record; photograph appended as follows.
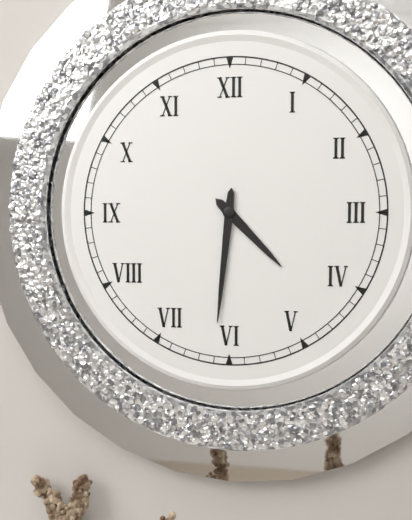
4:31
